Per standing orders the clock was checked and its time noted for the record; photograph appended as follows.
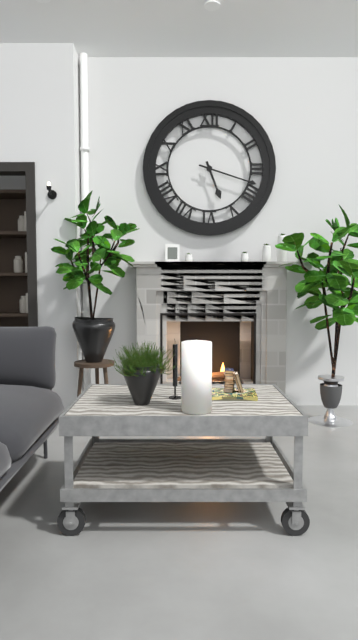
5:18
